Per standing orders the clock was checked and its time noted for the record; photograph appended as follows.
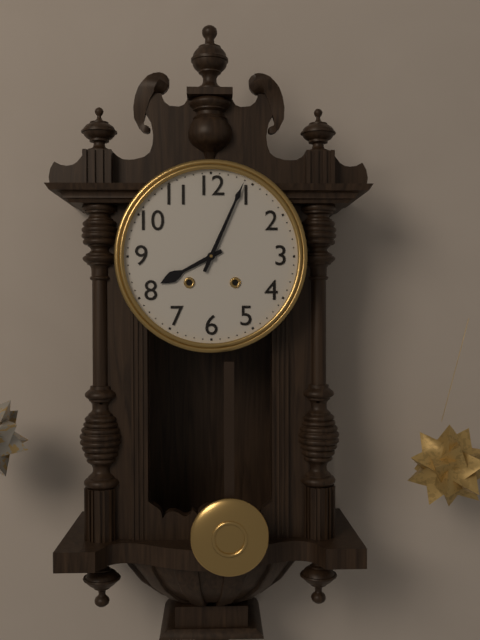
8:04
